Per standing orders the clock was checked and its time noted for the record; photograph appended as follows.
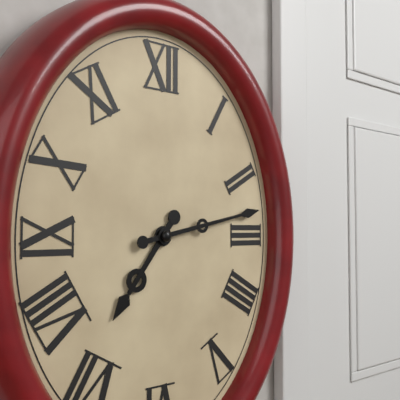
7:13
